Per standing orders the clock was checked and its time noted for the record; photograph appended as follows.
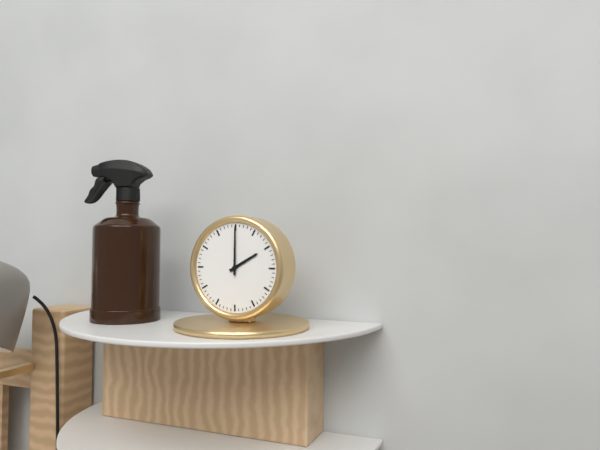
2:00
